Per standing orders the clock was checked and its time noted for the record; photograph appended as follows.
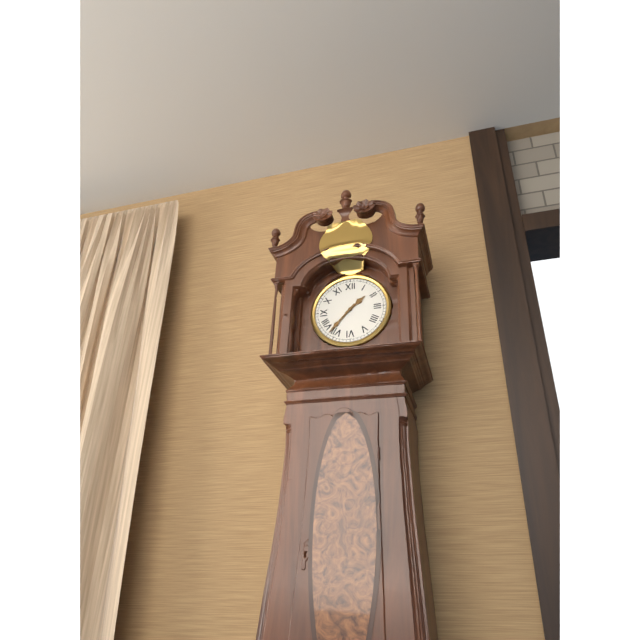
1:37
